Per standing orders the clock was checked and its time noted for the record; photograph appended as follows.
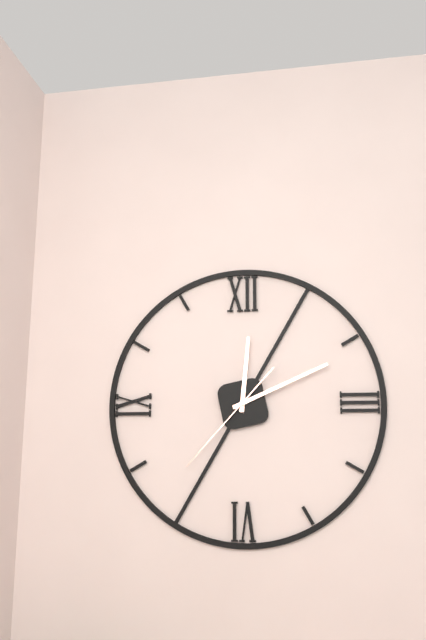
12:11:37
